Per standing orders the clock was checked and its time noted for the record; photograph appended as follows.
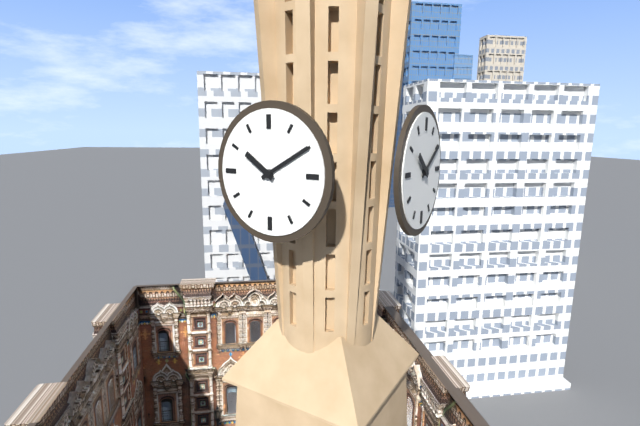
10:10
